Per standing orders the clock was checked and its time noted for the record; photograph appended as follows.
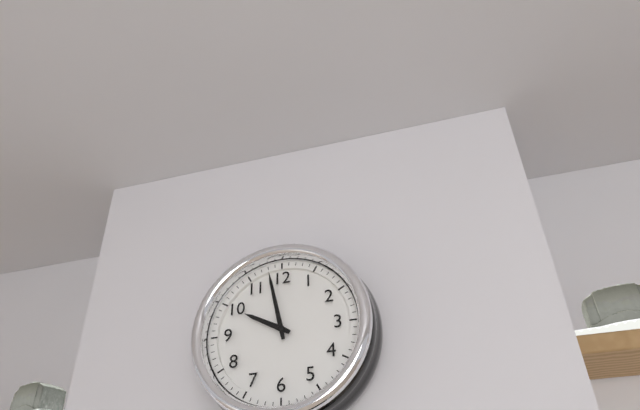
9:58
